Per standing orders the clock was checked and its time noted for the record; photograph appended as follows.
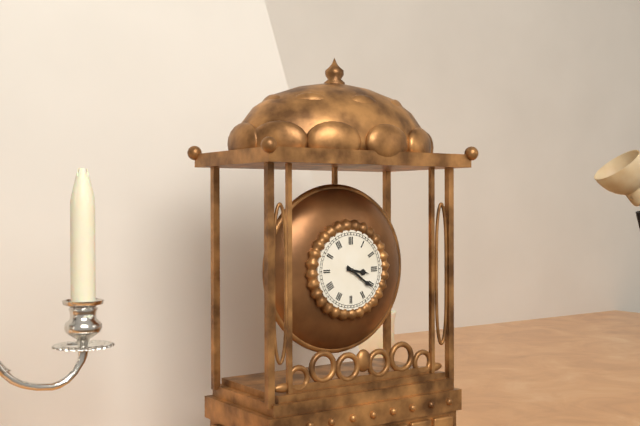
3:21
